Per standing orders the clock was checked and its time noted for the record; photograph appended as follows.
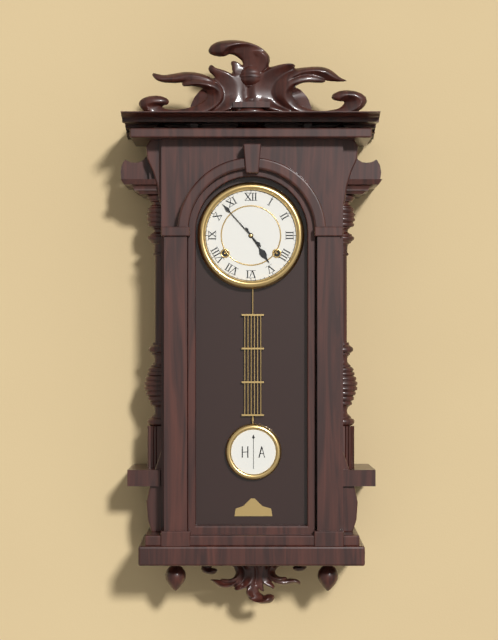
4:53
